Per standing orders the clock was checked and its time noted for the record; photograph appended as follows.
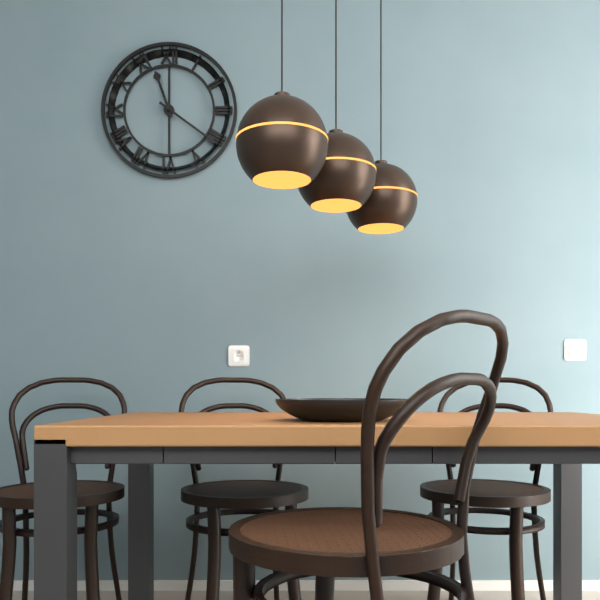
11:21
